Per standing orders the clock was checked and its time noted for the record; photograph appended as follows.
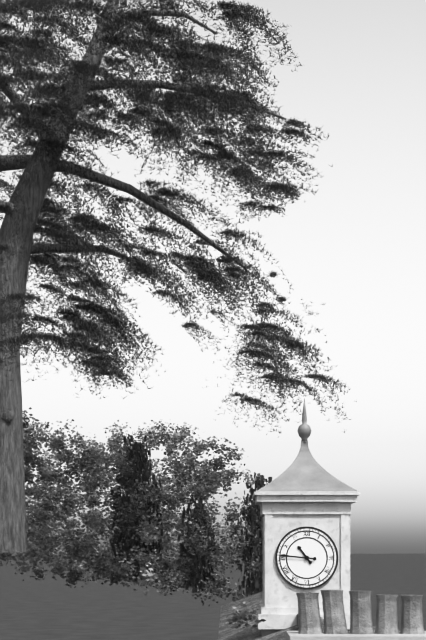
10:46
